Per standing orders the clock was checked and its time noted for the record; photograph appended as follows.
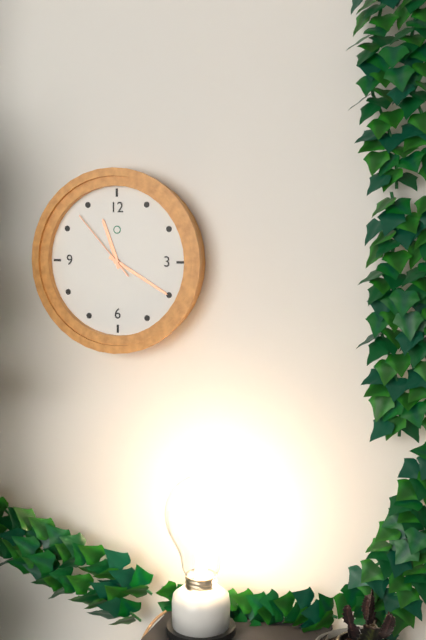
11:20:53
